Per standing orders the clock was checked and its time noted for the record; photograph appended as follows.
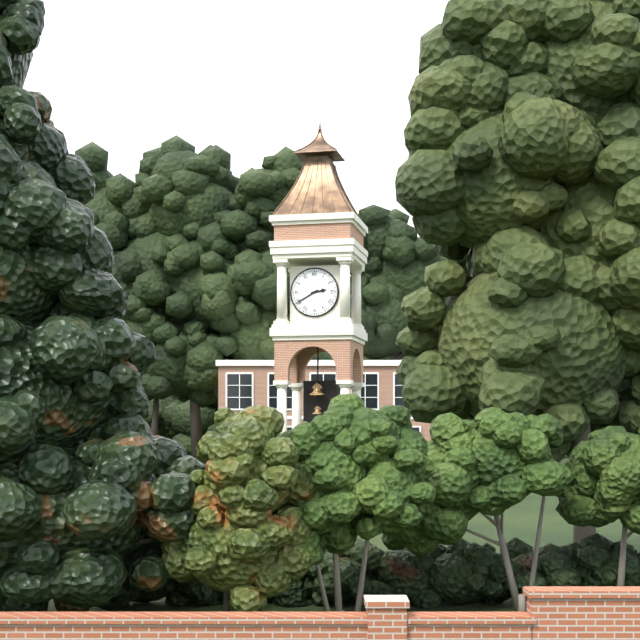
2:40
